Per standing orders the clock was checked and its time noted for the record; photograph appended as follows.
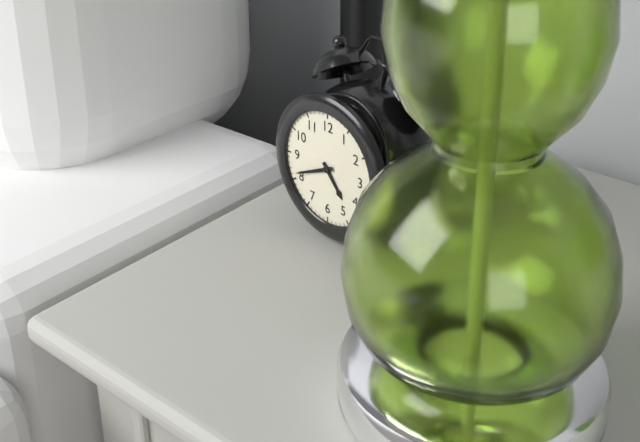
4:41
